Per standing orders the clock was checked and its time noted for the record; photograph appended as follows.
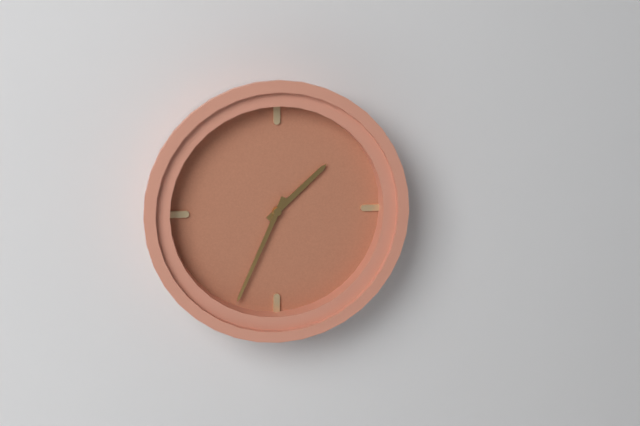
1:34
